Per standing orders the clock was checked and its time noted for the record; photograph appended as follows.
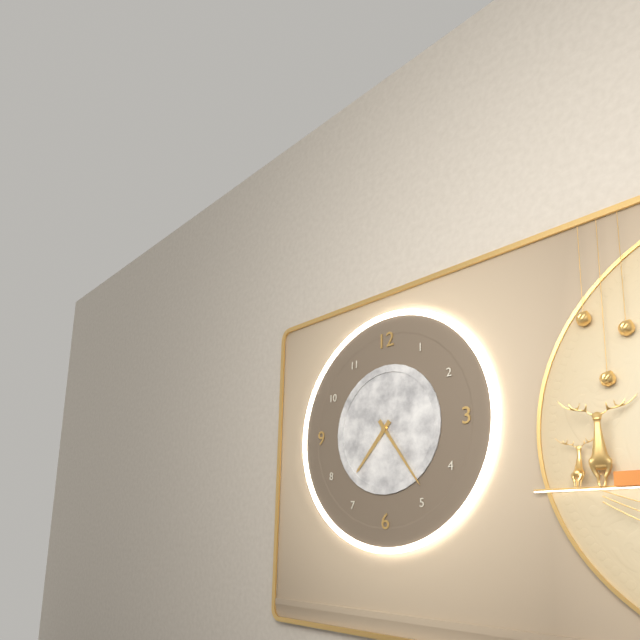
7:24
